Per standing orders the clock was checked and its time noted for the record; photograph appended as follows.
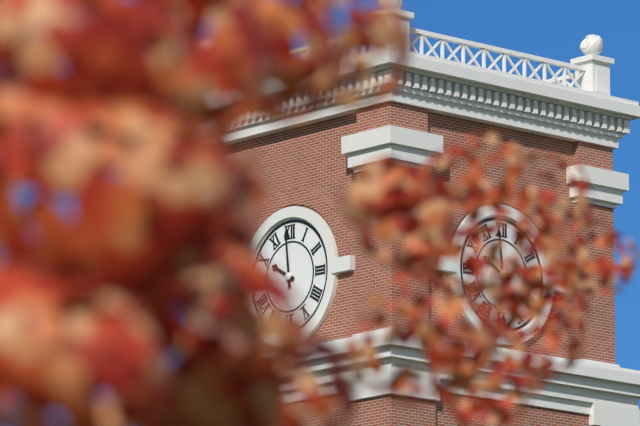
9:59
